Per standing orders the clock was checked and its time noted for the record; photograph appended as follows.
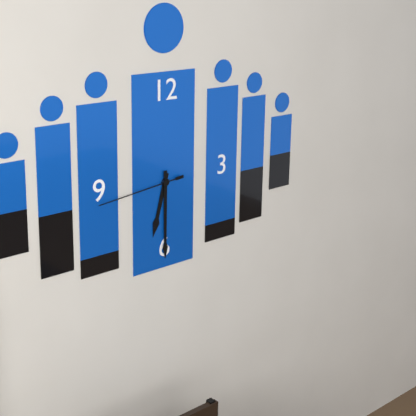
6:30:44
